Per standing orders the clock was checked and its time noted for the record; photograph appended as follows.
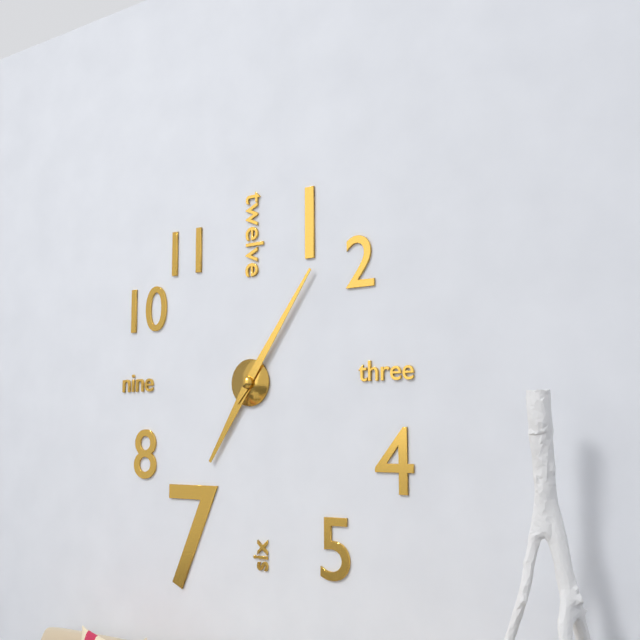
7:06
